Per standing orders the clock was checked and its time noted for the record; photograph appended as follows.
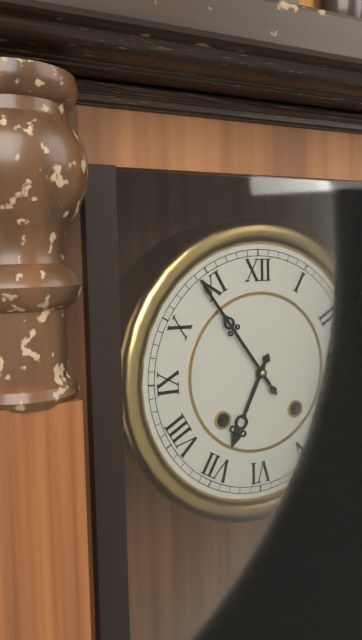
6:54
